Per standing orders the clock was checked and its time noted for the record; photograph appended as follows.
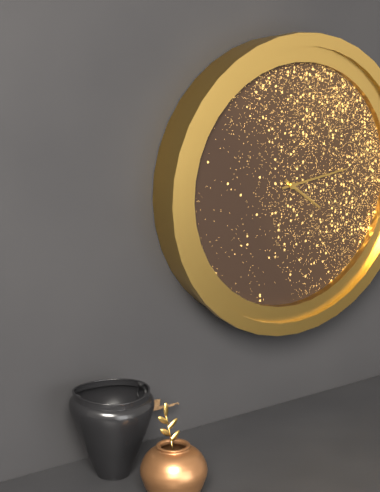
4:14
